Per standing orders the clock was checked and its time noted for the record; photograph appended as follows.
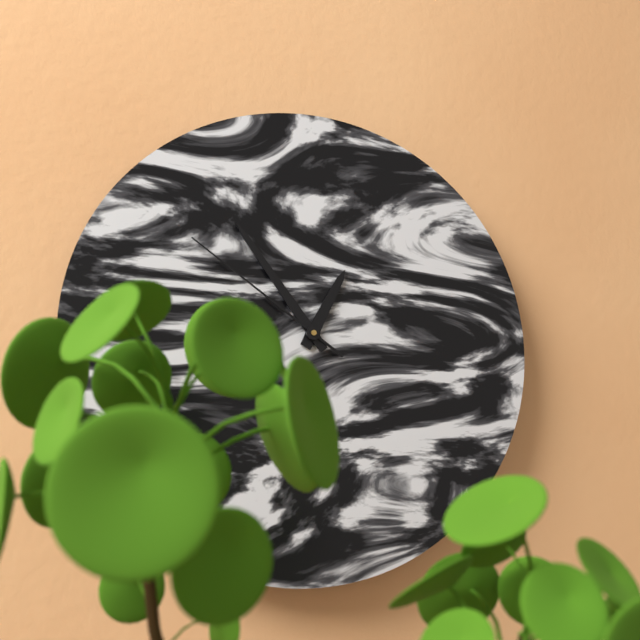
12:54:51
